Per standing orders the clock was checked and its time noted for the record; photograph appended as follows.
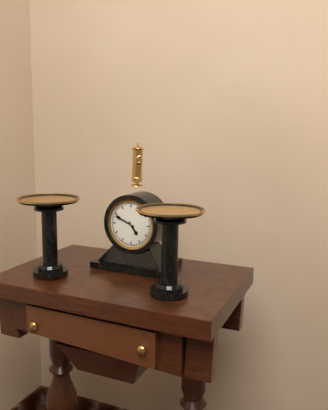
4:49
